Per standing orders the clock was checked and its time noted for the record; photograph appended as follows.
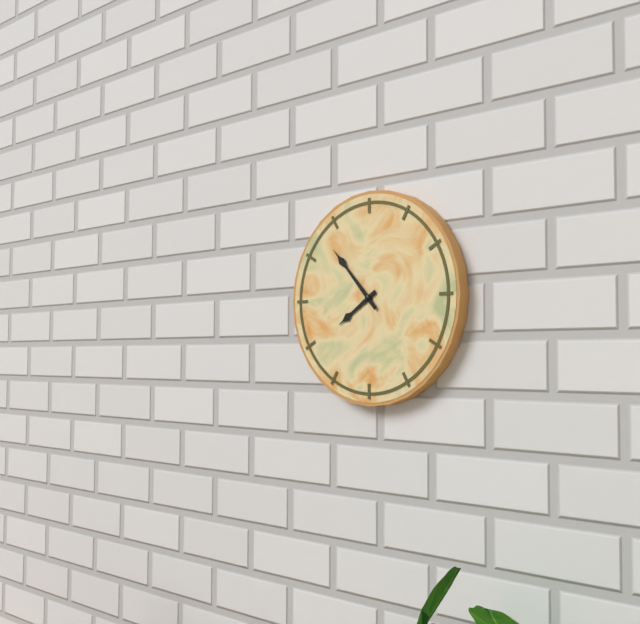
7:53
